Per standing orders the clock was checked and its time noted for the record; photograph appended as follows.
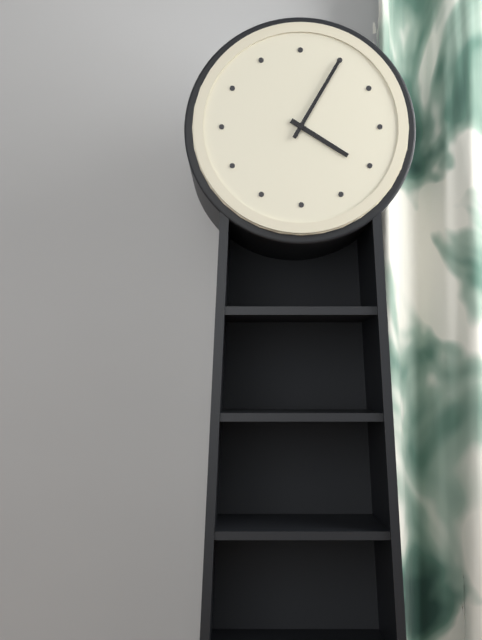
4:05
